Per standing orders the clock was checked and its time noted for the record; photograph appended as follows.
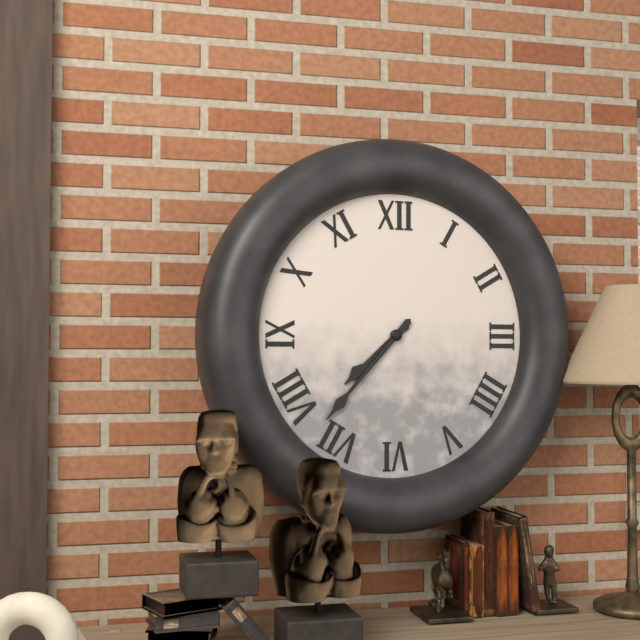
7:37
